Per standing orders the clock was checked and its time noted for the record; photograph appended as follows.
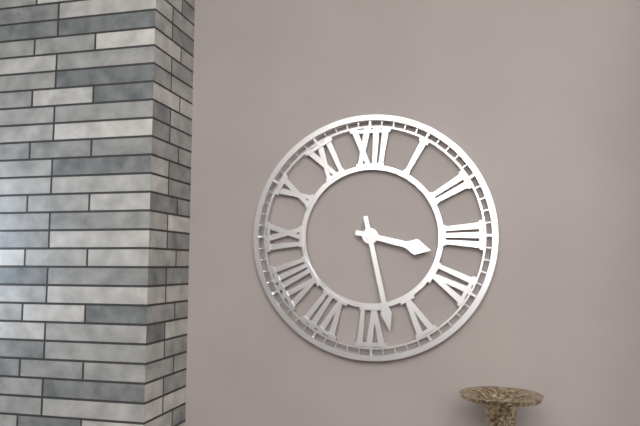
3:28
